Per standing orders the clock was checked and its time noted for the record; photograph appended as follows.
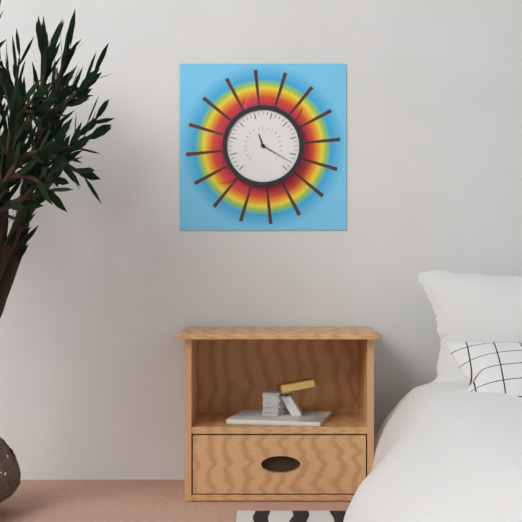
11:20
